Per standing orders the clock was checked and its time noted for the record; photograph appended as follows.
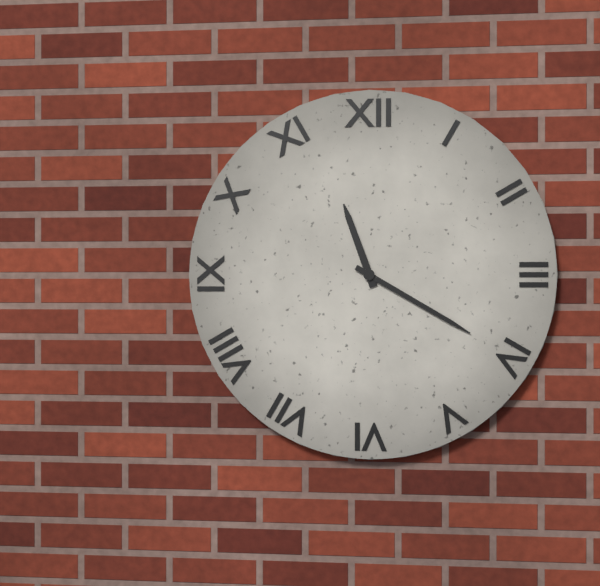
11:20
